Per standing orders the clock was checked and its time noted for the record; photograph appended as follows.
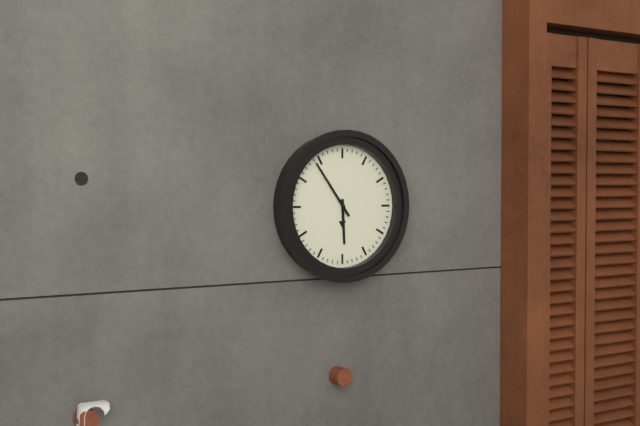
5:54
